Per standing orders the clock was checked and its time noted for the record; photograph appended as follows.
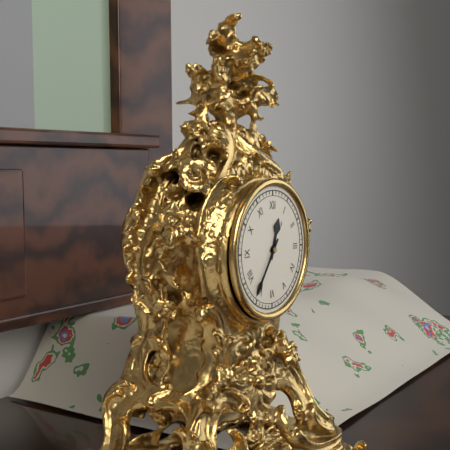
12:36
